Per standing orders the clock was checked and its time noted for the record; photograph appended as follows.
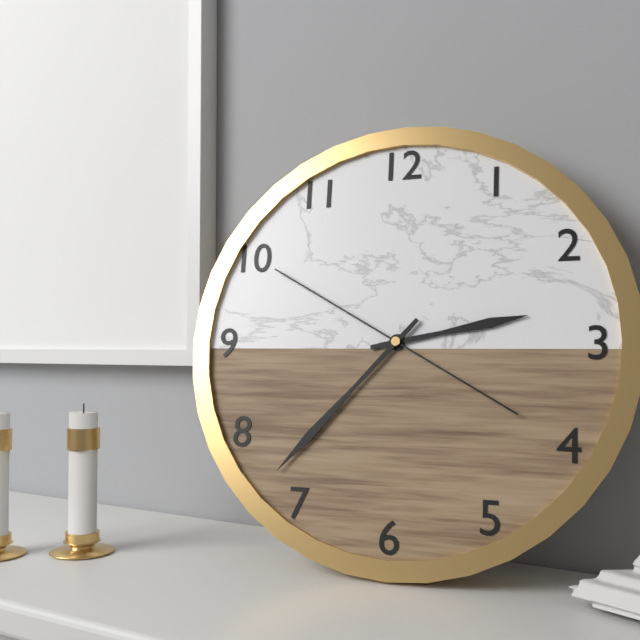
2:37:50
